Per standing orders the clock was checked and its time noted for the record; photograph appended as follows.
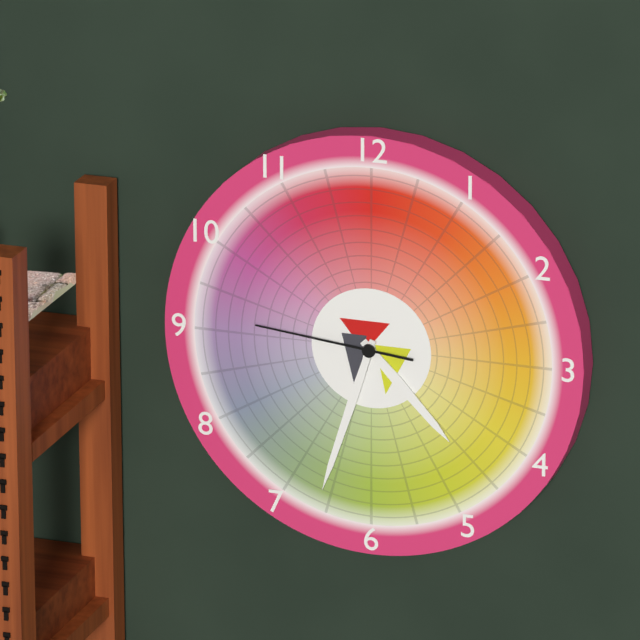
4:33:46
